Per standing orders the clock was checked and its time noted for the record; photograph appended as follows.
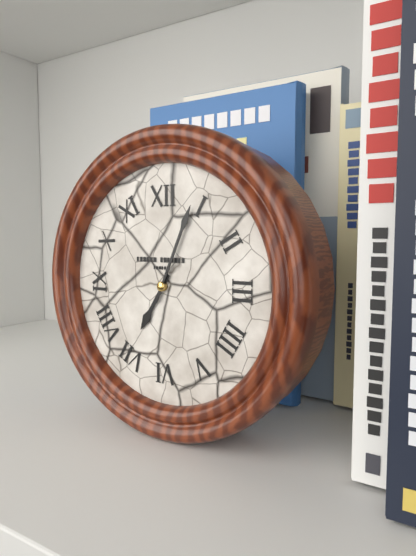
7:04
